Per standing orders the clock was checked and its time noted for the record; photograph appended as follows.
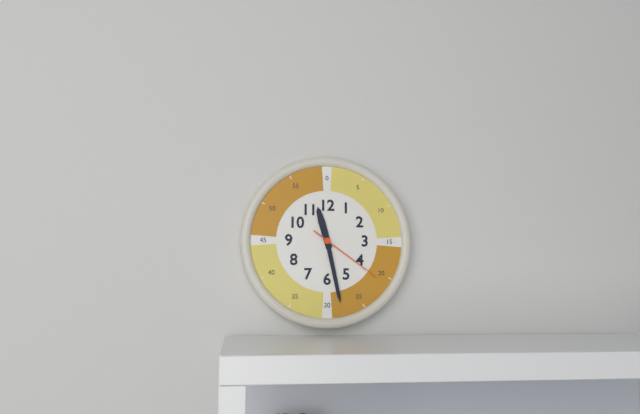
11:28:21
